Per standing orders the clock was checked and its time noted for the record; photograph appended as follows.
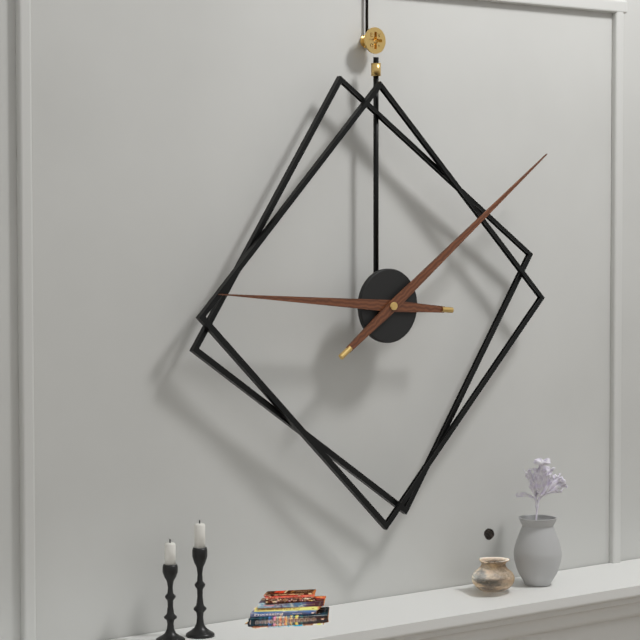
9:09
